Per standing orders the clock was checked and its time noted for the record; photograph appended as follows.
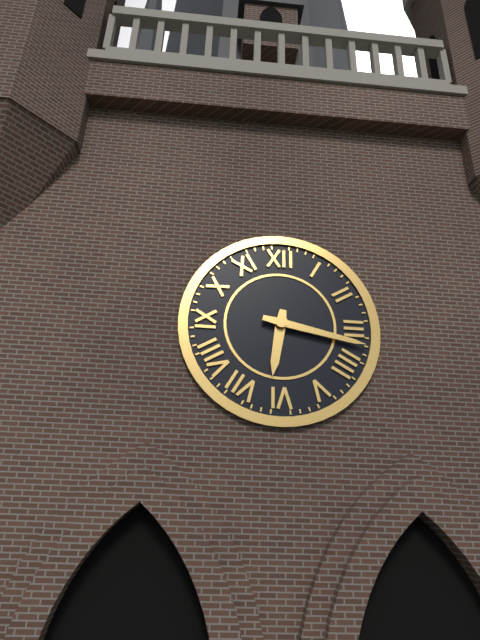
6:17
